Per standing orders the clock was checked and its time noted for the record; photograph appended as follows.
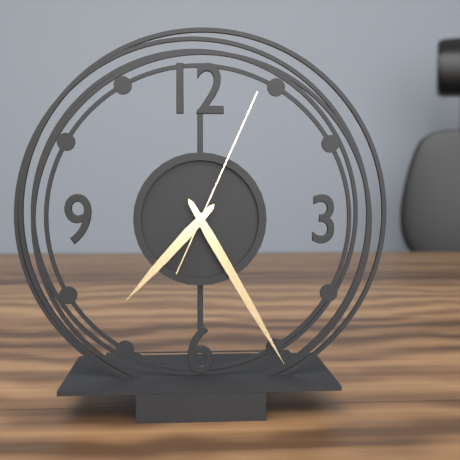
7:25:04
